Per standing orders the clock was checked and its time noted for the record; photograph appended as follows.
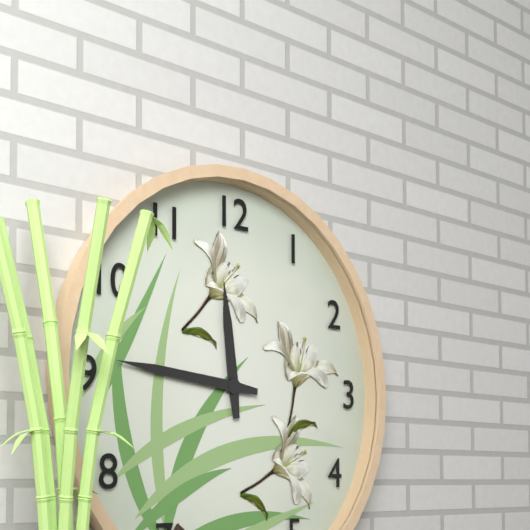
11:46
